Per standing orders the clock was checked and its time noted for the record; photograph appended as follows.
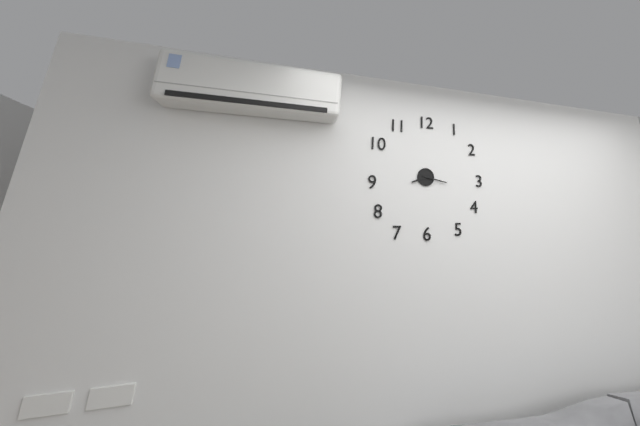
8:17
